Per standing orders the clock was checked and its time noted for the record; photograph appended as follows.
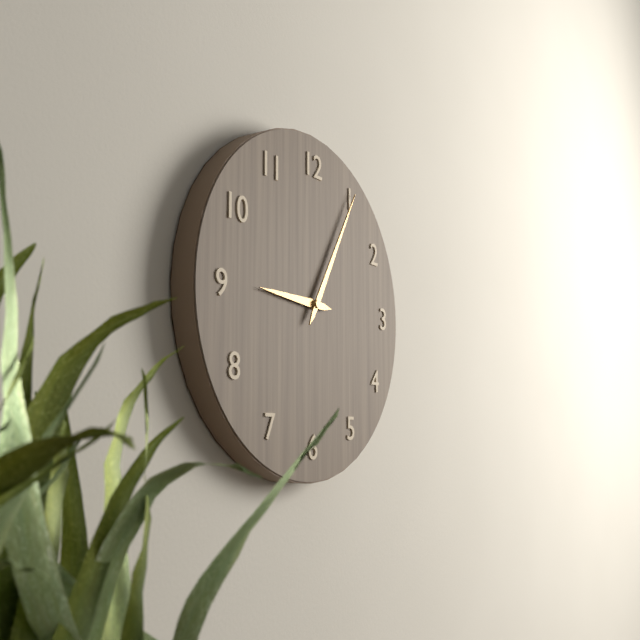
9:05
